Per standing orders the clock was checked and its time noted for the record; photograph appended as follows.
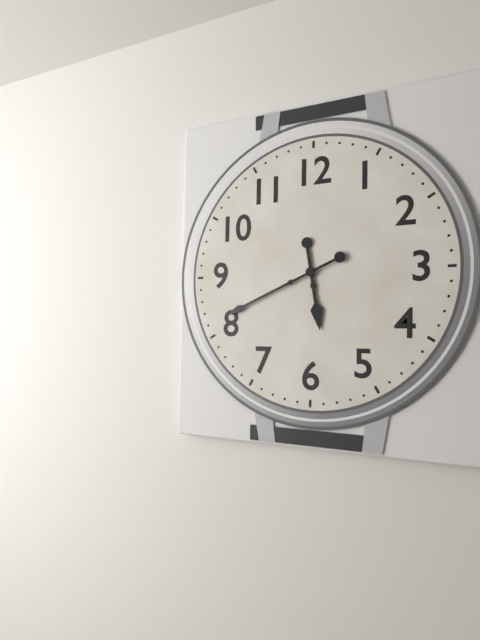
5:41
